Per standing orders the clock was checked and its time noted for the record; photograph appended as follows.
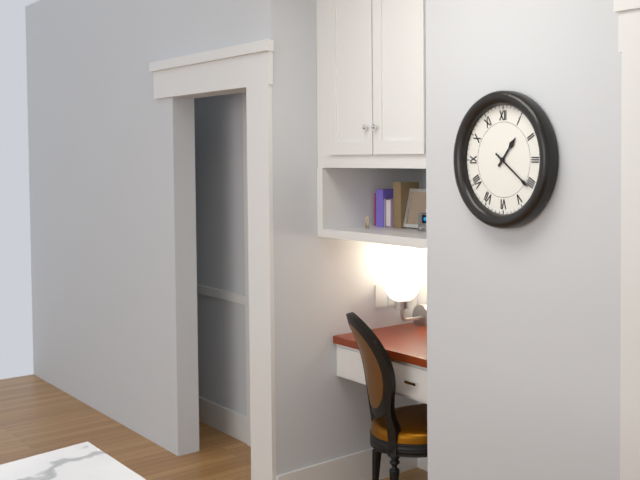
1:21
